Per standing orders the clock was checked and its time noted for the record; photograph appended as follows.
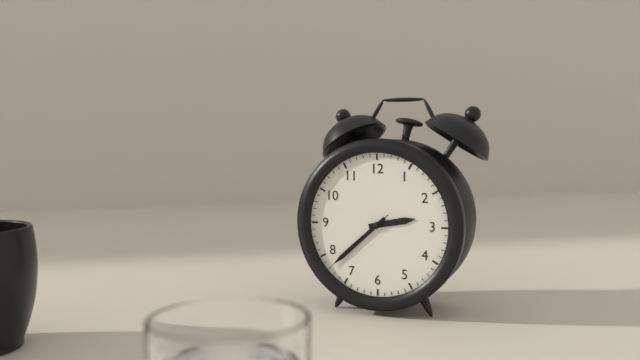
2:38:38
